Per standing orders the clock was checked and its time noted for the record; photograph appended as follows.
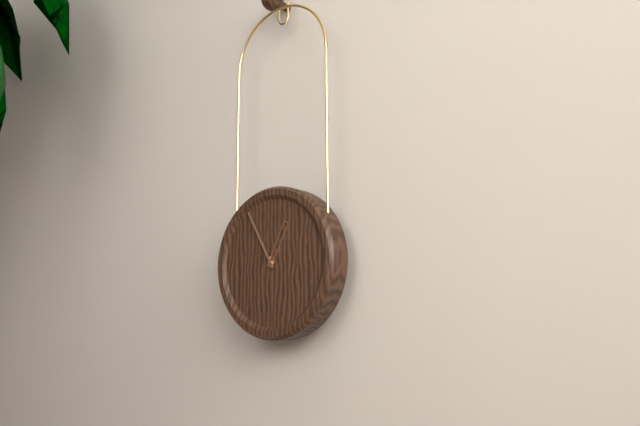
12:55
